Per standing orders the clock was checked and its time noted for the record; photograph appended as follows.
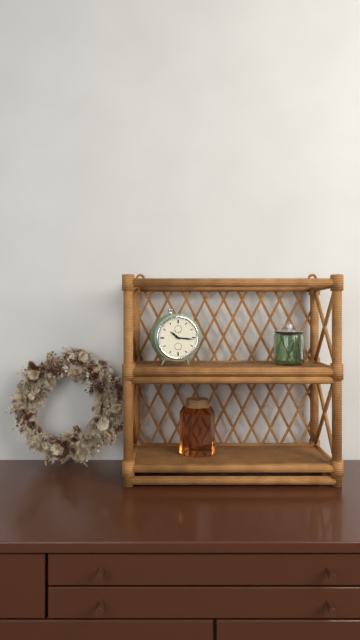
10:16
